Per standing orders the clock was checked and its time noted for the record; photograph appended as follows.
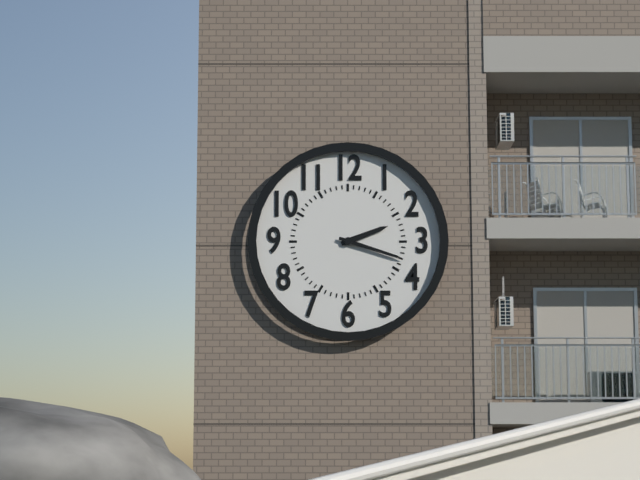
2:18
